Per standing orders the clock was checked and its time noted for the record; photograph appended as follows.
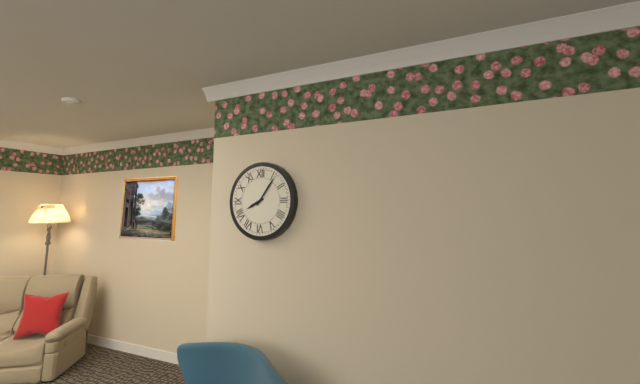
8:06
